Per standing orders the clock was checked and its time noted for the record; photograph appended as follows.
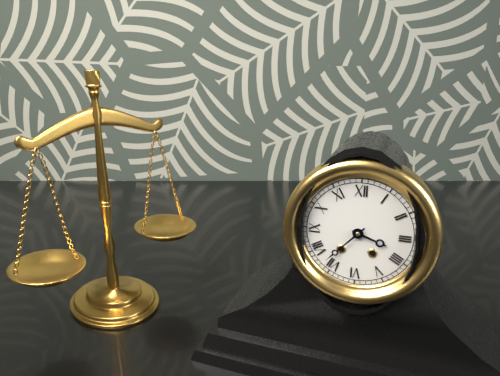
3:37
